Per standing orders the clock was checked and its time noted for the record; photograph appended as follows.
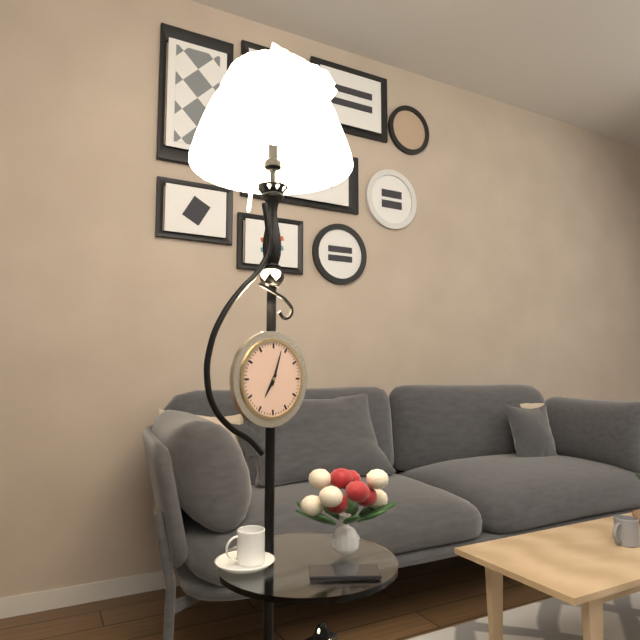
7:03
